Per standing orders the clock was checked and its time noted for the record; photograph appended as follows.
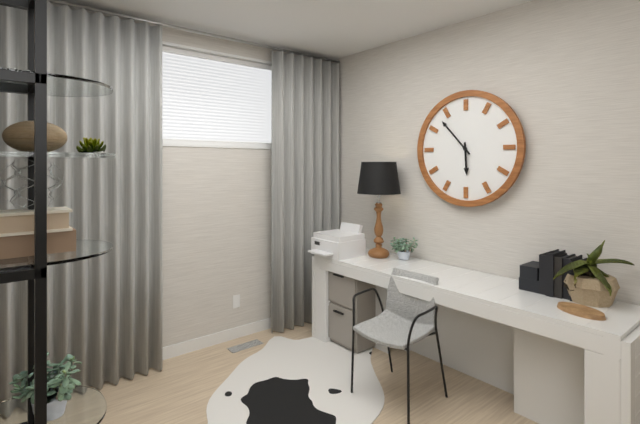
5:53
